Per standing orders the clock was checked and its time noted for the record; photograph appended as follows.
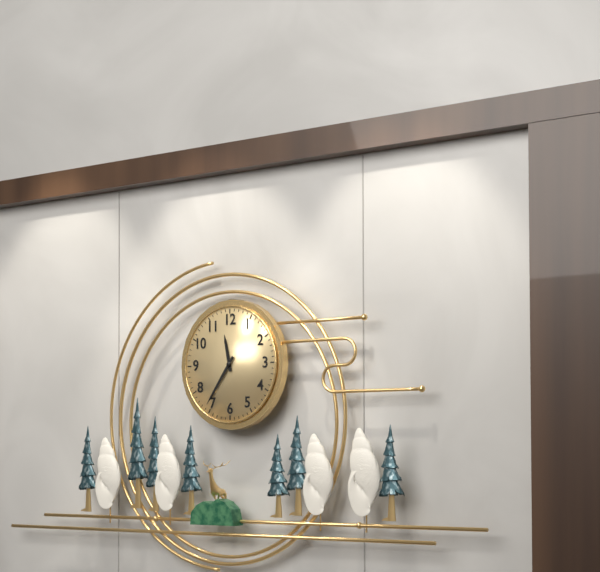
11:36
